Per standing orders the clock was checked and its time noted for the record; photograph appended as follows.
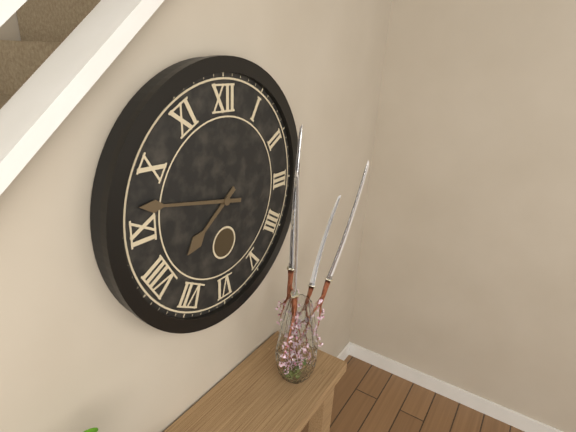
7:47
